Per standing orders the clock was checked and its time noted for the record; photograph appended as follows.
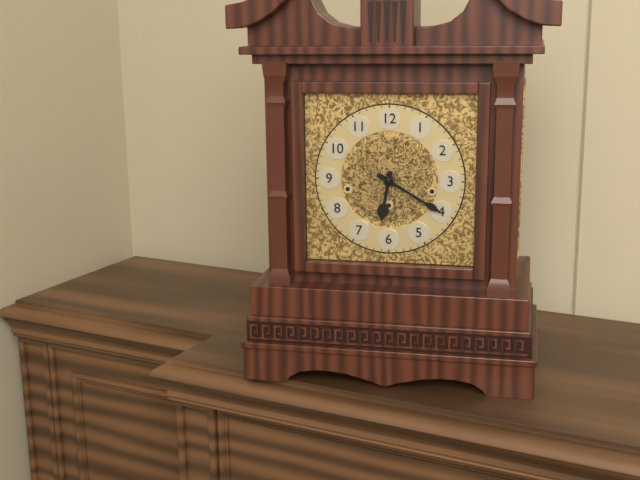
6:20
